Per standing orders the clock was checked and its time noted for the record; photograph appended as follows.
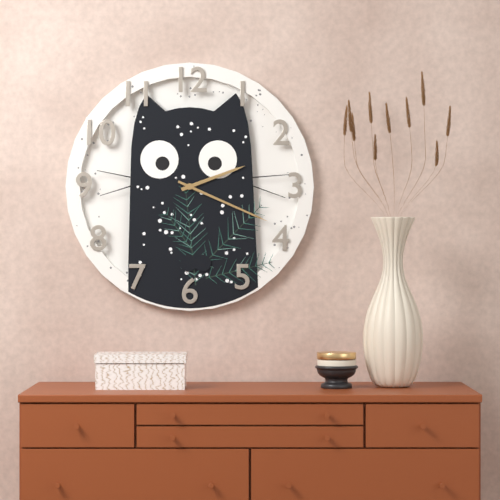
2:19
